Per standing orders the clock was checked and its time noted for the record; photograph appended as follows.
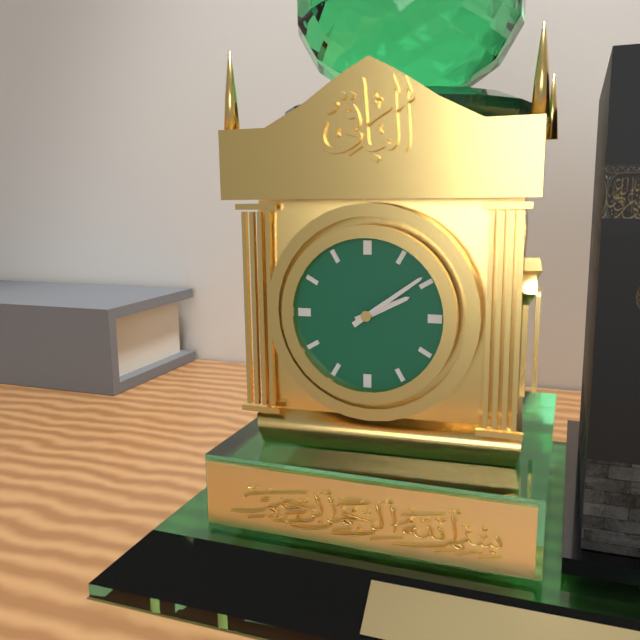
2:09
